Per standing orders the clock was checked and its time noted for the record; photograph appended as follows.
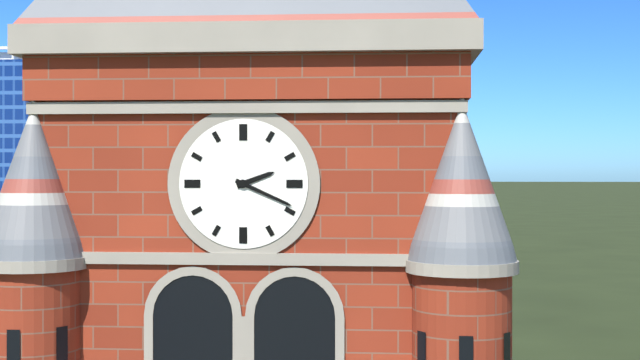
2:19
